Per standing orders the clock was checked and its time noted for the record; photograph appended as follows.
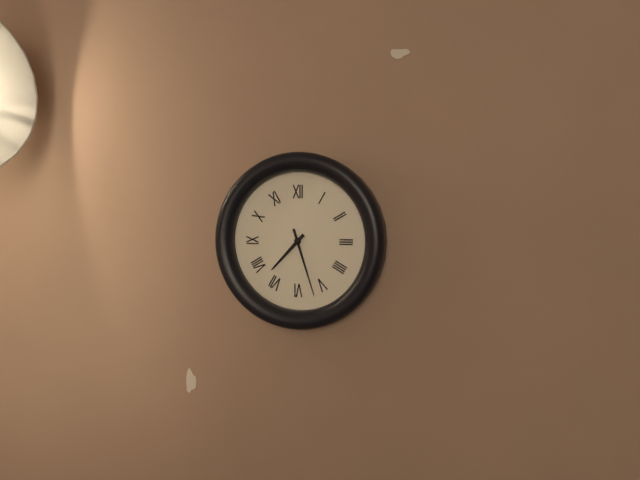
7:27
